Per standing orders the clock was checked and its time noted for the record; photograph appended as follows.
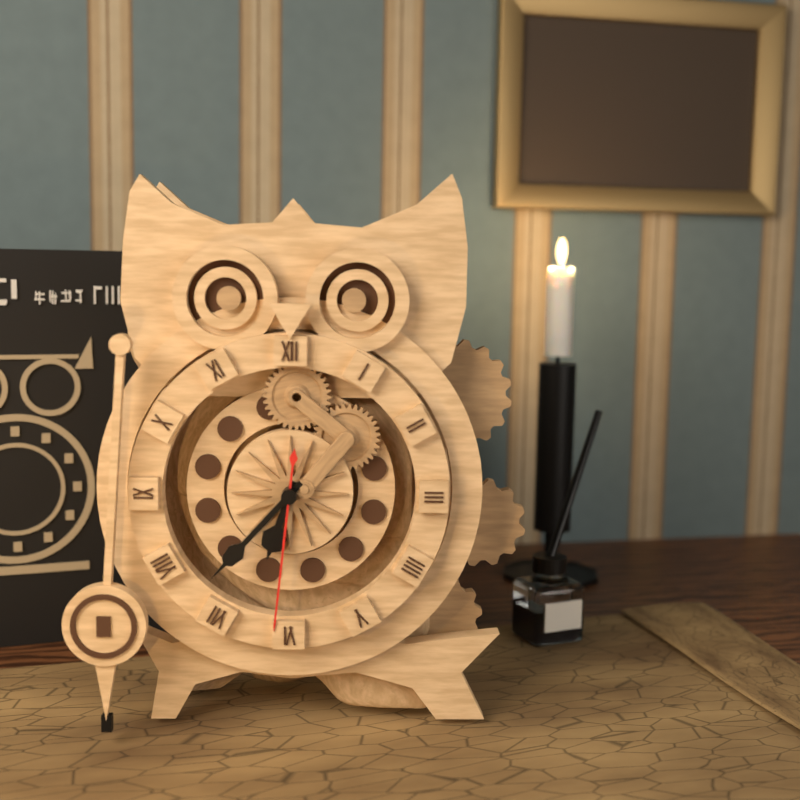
6:37:31
